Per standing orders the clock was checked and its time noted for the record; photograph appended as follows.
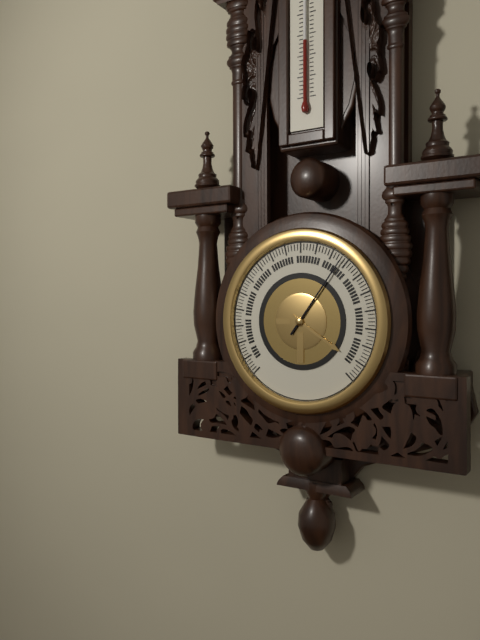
4:06
